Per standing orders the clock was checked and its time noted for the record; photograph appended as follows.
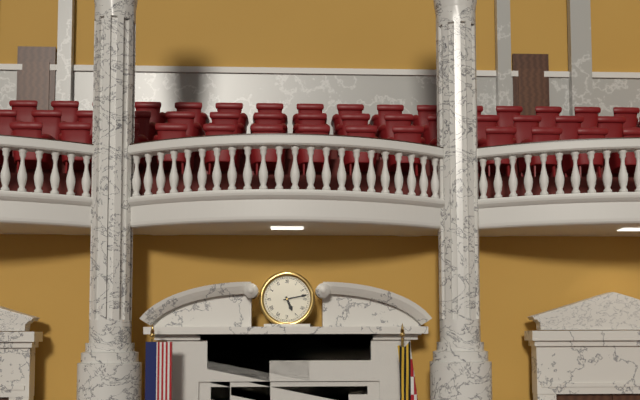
5:13
